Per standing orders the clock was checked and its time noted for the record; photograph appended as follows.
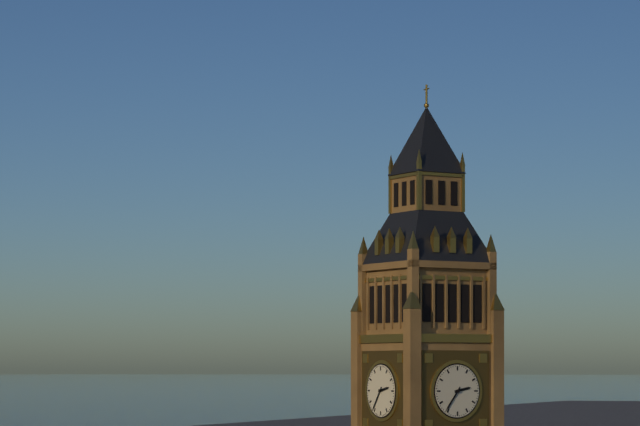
2:36
